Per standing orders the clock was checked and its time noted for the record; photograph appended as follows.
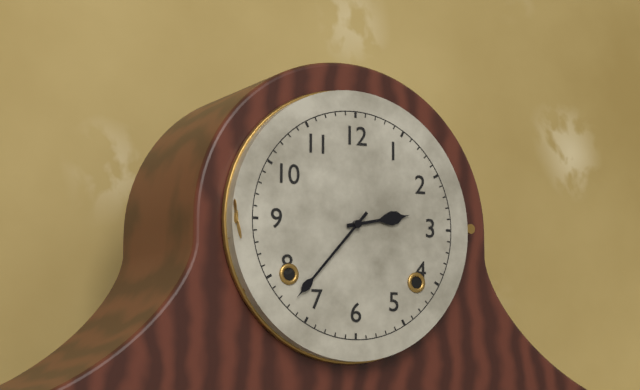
2:37
